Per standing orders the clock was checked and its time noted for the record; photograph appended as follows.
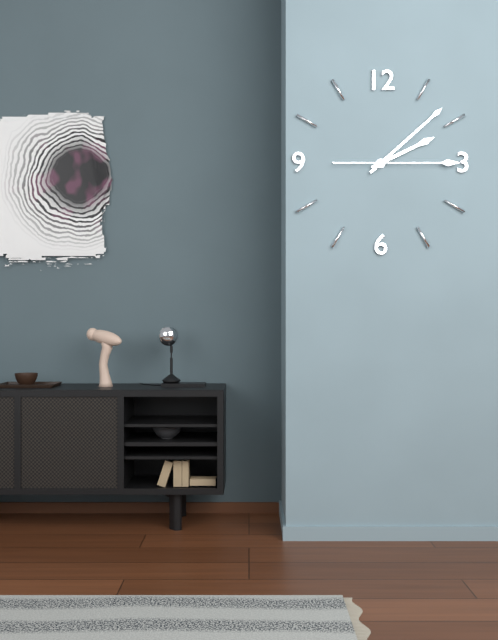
2:08:15
